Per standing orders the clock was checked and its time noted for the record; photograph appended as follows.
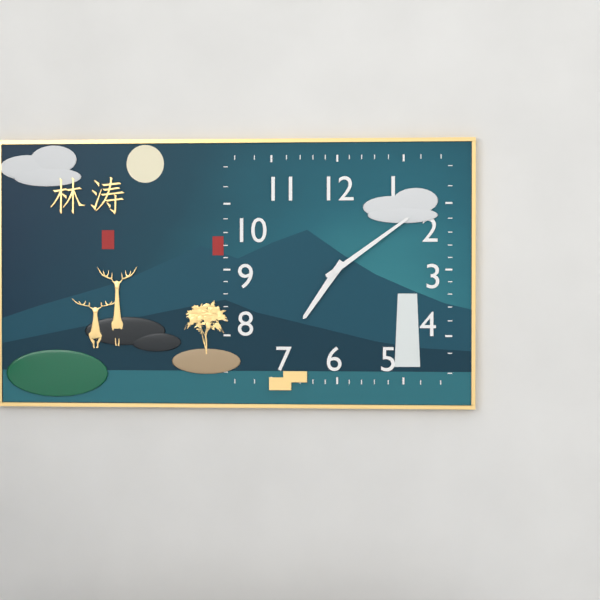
7:09
